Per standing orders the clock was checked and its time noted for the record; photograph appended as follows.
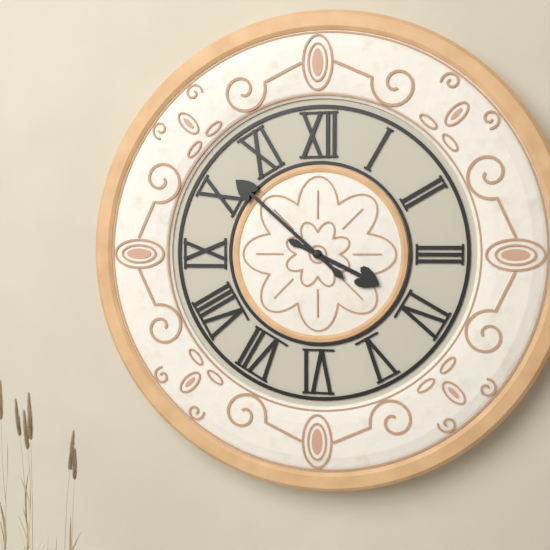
3:52
